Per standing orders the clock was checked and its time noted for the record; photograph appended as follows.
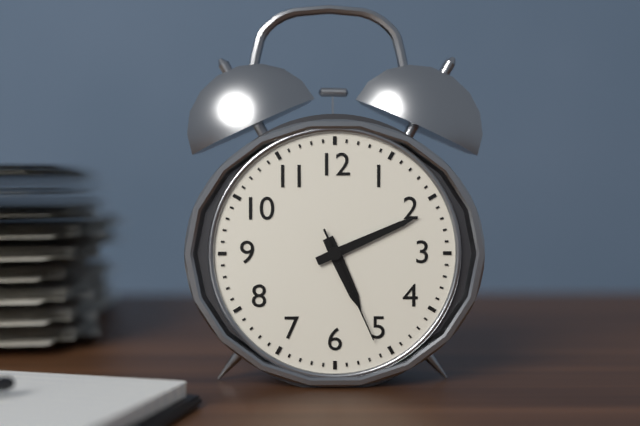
5:11:26
